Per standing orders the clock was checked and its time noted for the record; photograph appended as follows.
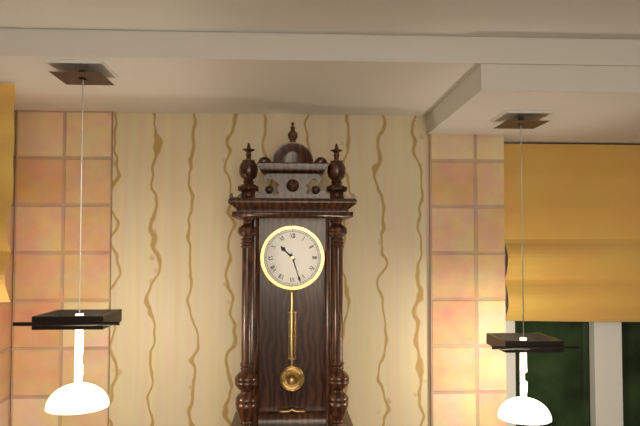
10:27
